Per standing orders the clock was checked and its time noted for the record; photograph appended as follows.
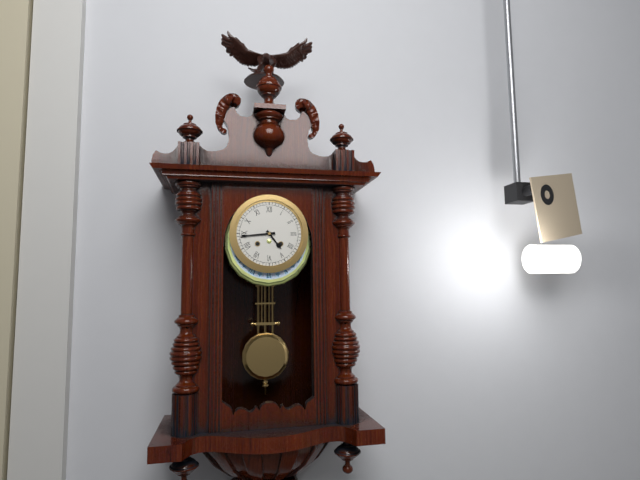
4:44
